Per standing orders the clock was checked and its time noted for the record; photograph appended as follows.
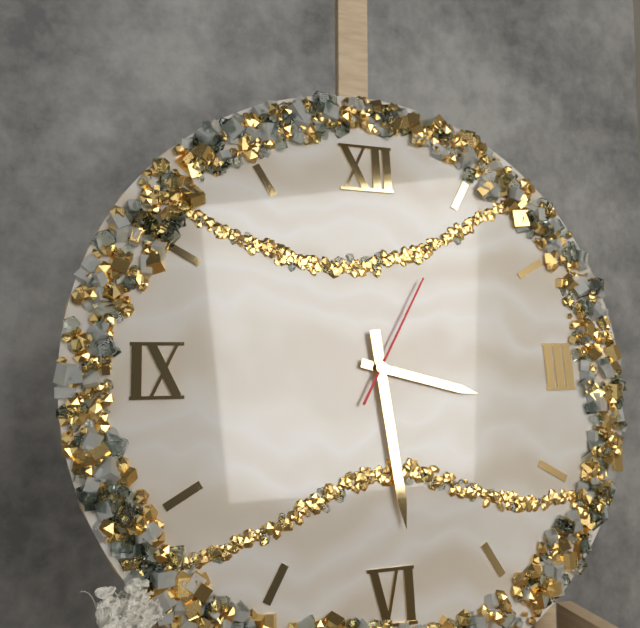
3:29:05
